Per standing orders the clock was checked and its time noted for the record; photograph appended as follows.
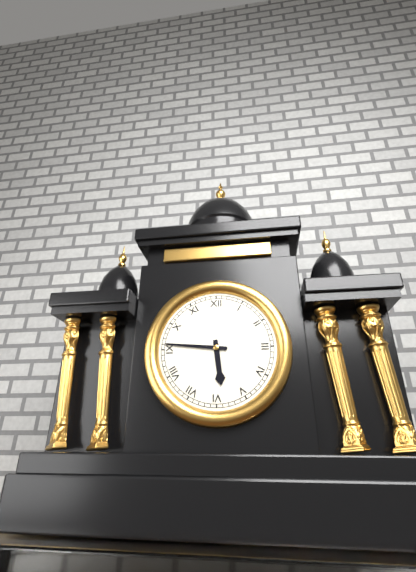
5:46
